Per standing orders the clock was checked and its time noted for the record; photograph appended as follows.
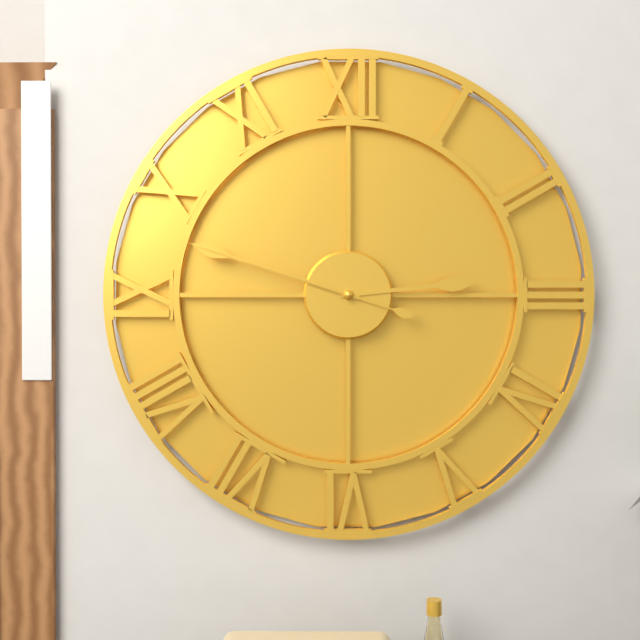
2:48:48
